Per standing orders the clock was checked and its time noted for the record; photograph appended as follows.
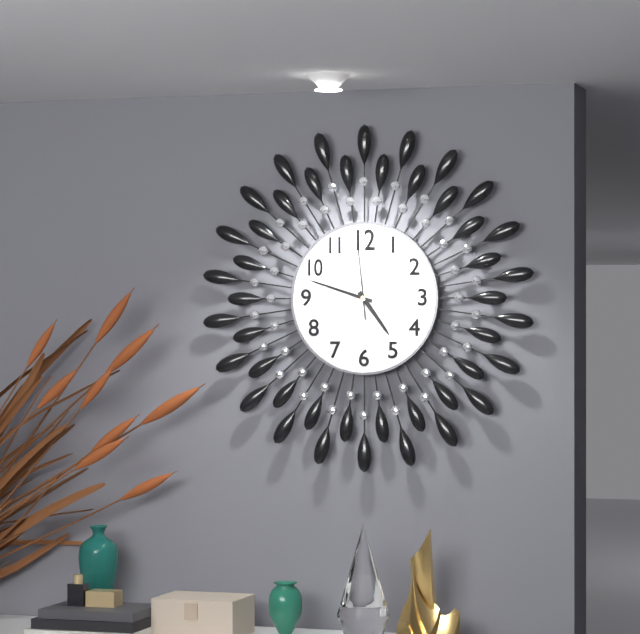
4:48:59
